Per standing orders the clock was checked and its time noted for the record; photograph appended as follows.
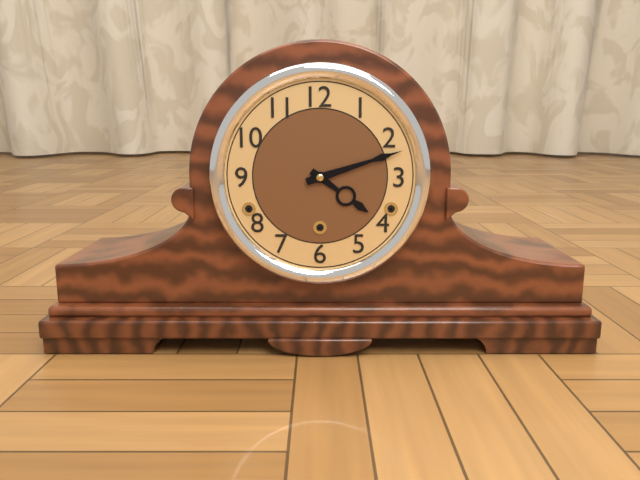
4:12
